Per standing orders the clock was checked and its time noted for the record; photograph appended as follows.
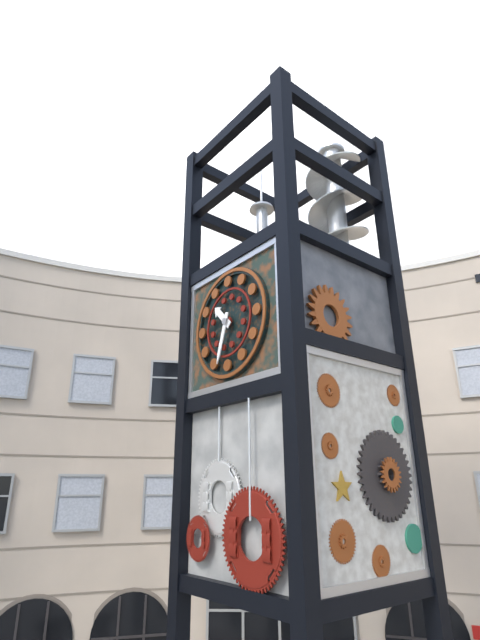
10:33
